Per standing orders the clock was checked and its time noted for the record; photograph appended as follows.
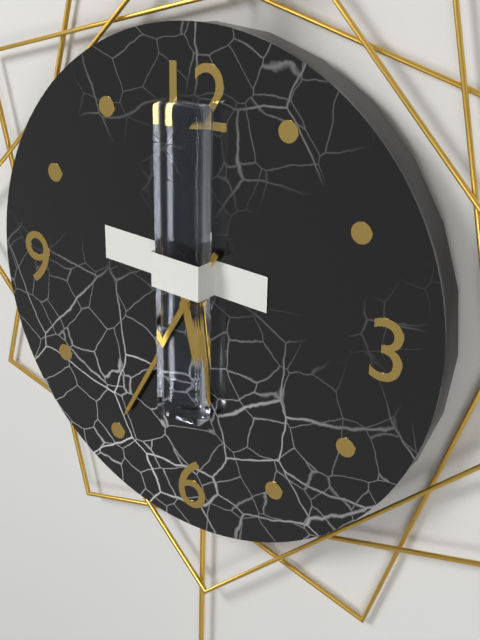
5:35
